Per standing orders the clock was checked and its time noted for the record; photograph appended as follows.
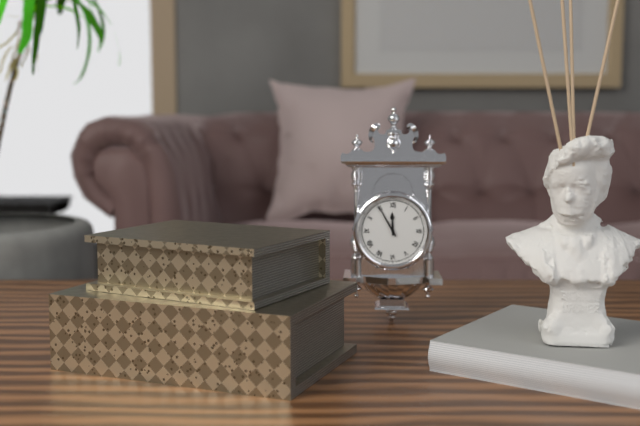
11:55
